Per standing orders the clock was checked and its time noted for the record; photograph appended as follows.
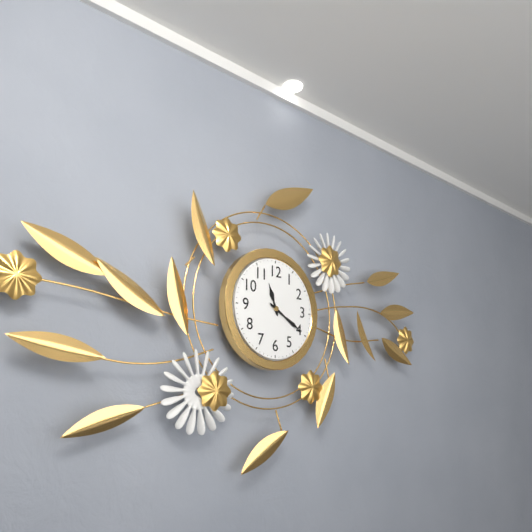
11:20
